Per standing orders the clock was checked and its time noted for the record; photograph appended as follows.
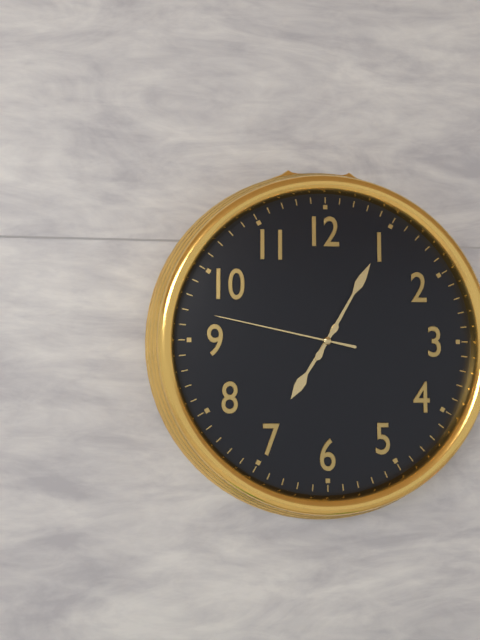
7:05:47
